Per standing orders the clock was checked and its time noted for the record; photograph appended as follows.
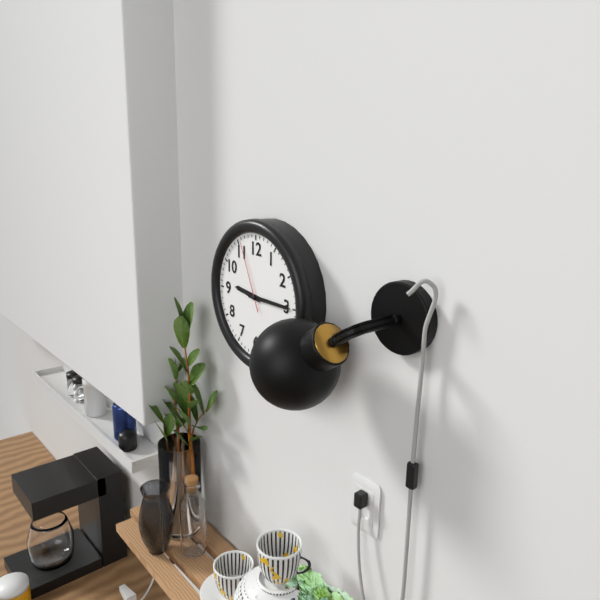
9:15:56
